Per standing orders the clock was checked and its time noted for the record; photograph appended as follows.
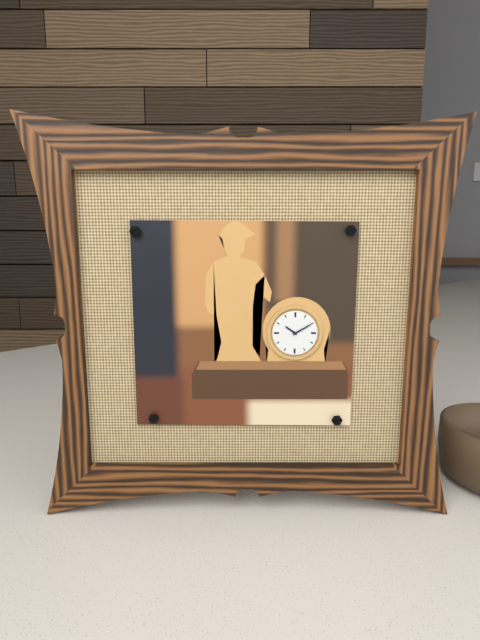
10:10
